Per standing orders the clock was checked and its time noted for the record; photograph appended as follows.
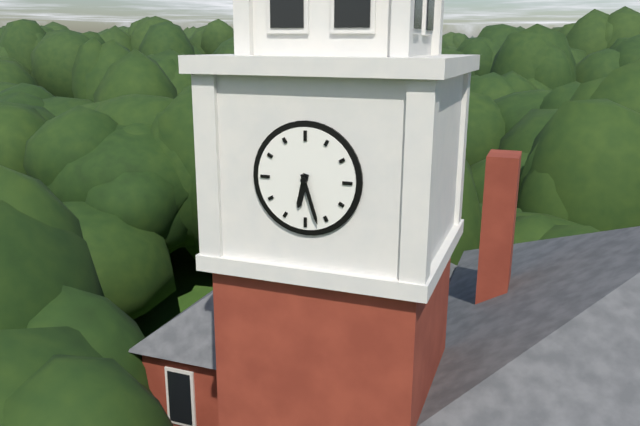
6:27
